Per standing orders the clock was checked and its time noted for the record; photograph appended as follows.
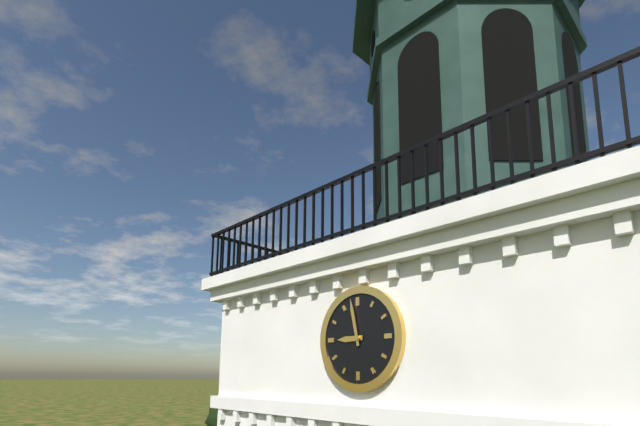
8:58
